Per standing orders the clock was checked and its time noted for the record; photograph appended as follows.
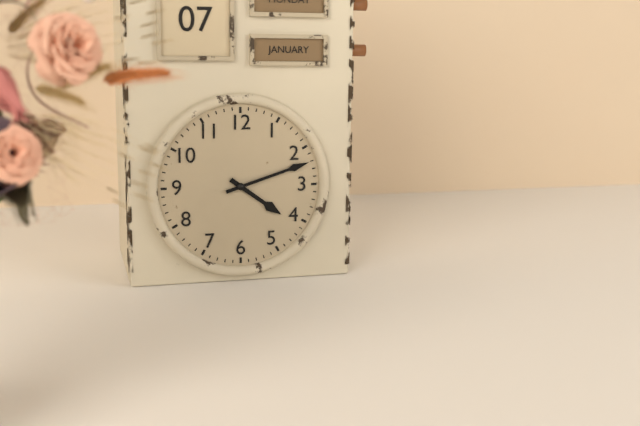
4:12
